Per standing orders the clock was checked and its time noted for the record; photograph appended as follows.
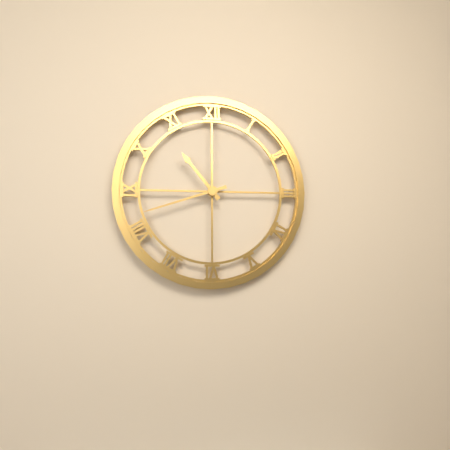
10:42
